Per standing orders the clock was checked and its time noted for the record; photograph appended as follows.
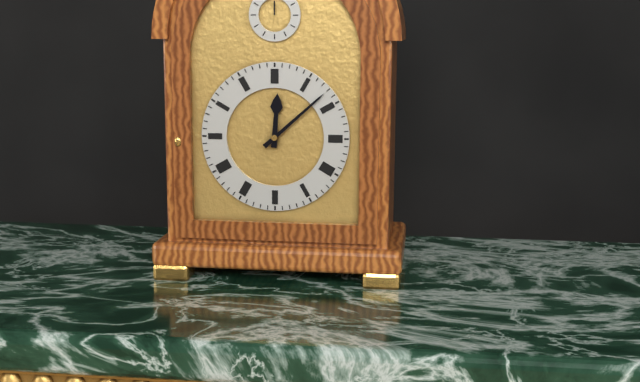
12:08
